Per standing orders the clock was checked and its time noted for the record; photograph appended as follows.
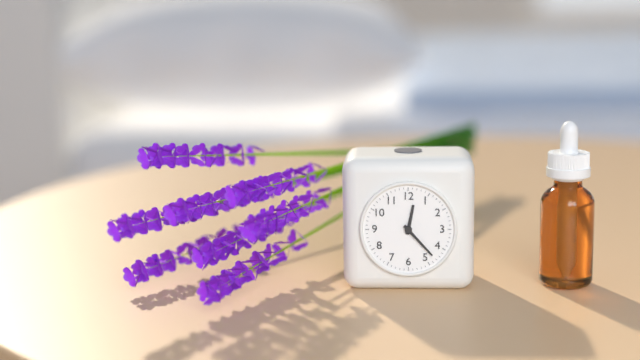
12:23
